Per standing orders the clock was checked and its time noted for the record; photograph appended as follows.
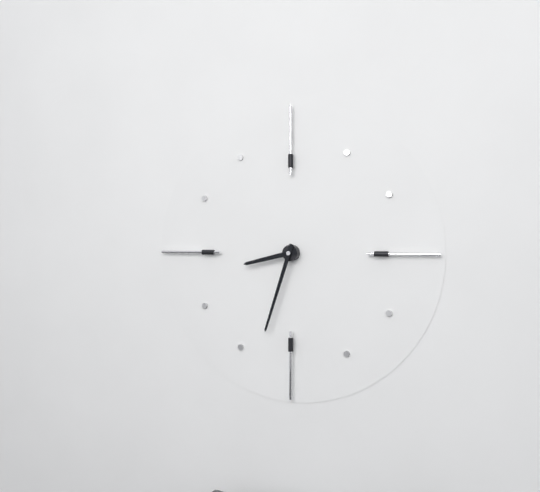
8:33
